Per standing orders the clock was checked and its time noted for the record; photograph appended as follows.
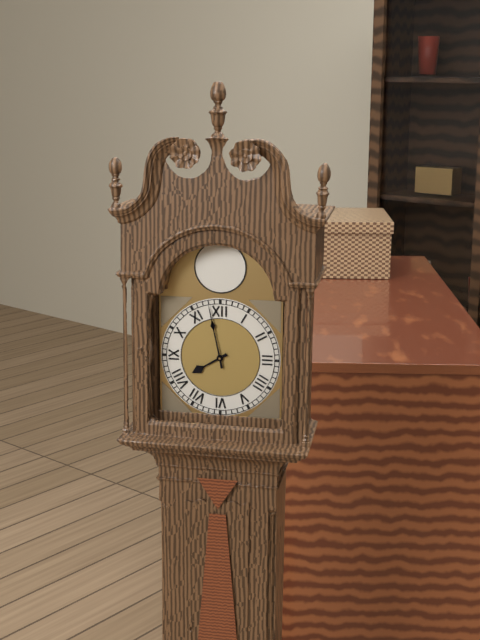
7:58
